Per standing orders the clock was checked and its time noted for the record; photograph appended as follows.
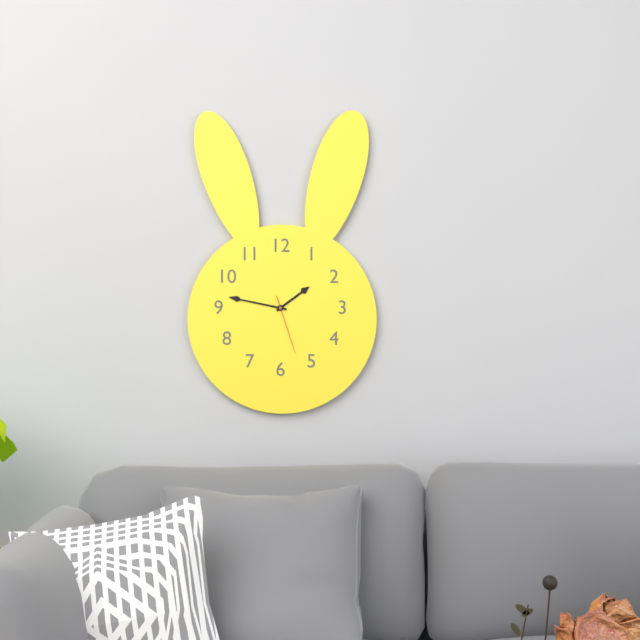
1:47:27
